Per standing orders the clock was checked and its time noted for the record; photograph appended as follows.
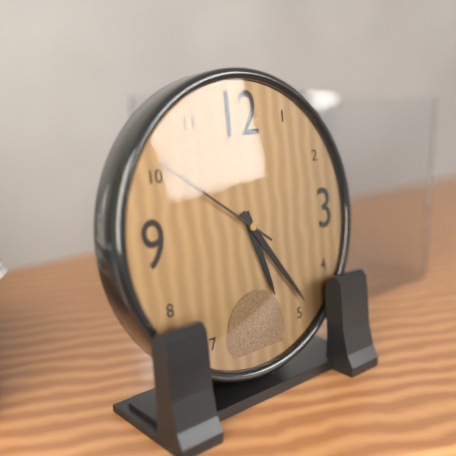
5:24:51
